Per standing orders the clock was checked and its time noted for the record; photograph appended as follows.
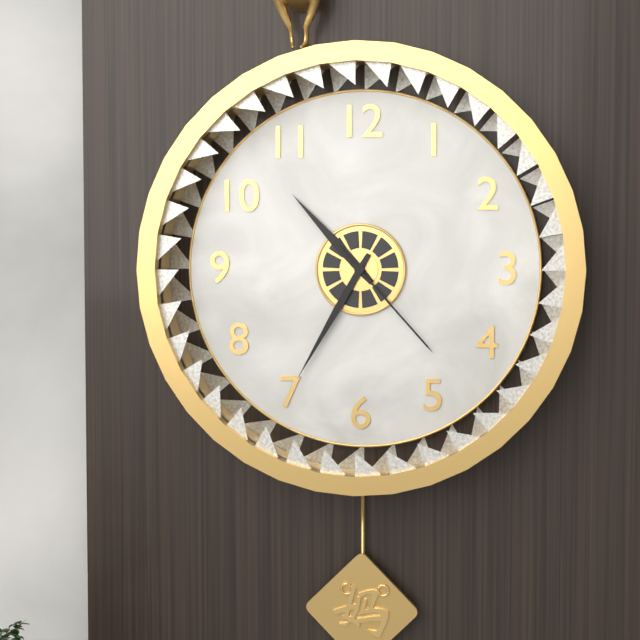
10:35:23
